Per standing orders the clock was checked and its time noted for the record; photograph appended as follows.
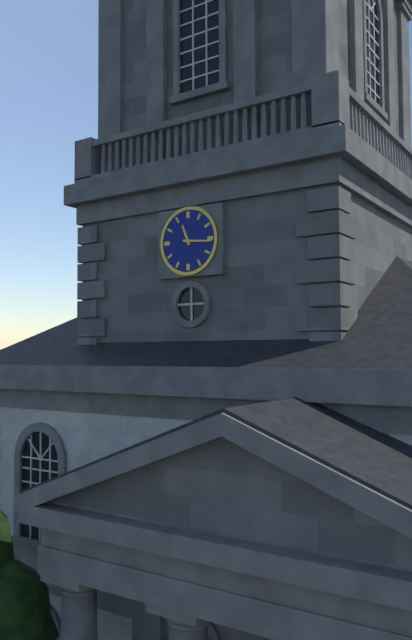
11:16
